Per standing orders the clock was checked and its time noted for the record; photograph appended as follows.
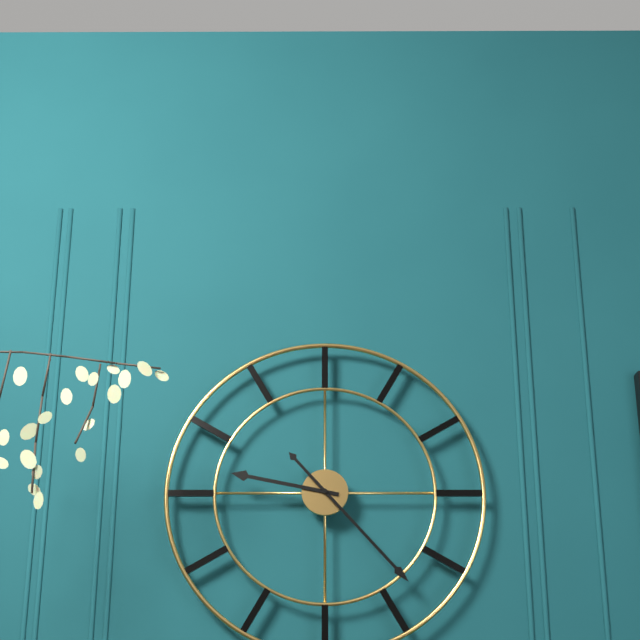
9:23
